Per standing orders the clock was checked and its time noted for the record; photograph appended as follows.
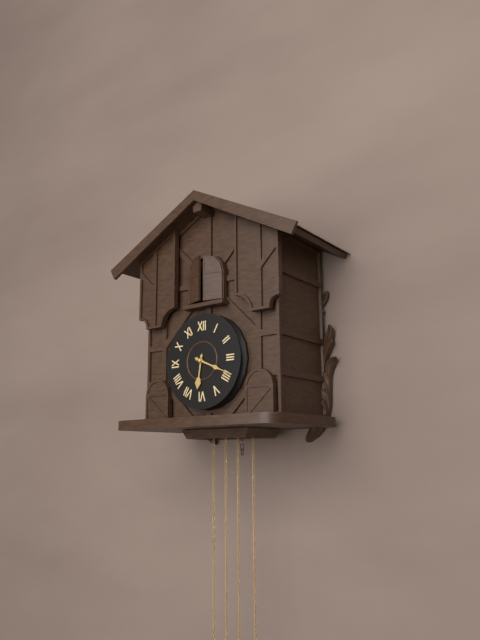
6:19
